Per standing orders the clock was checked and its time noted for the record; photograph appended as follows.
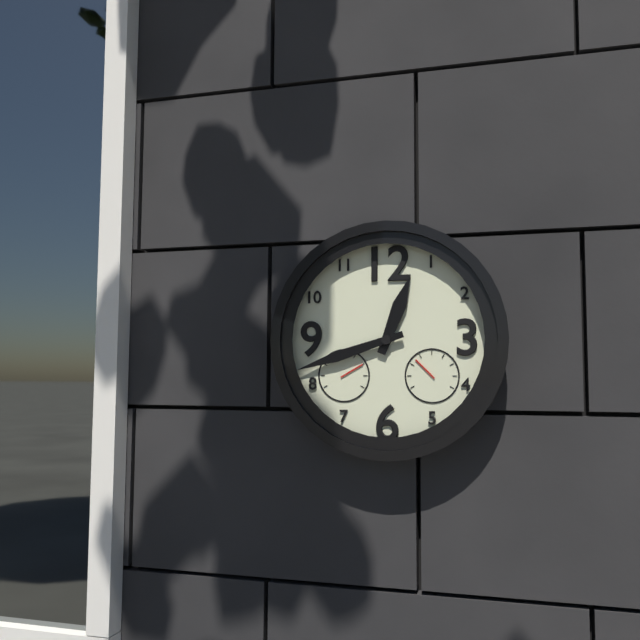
12:42
